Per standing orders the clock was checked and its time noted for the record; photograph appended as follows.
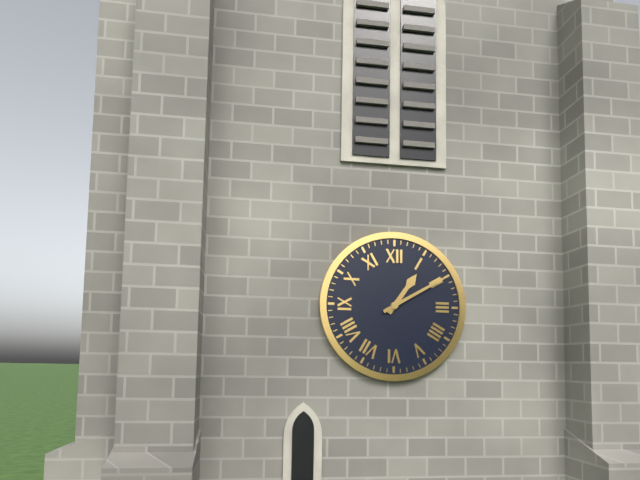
1:10
